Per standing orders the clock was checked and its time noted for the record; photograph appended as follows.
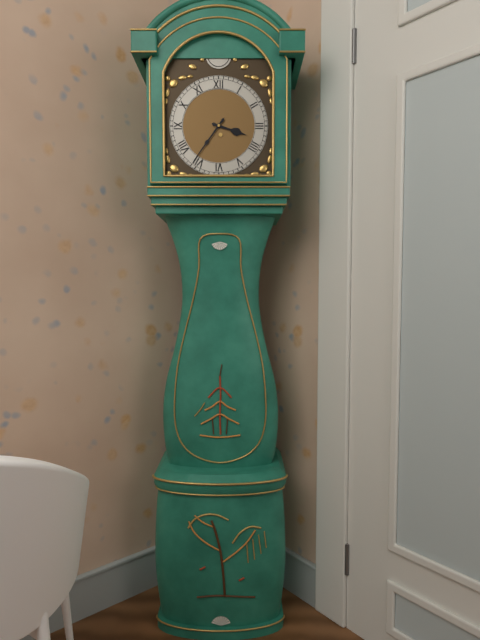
3:36
